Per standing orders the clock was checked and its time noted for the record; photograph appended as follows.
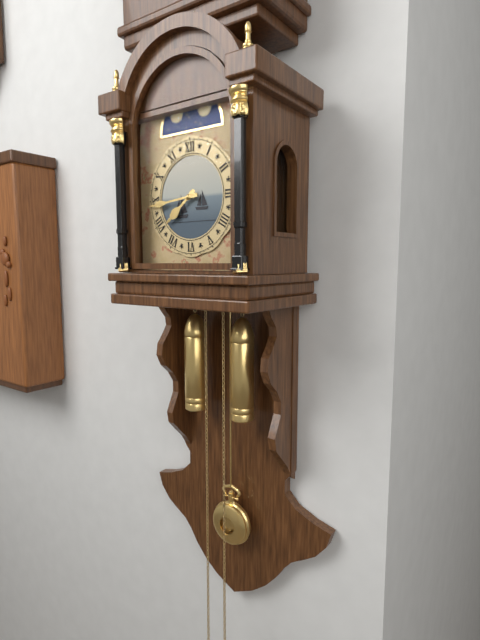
7:44
